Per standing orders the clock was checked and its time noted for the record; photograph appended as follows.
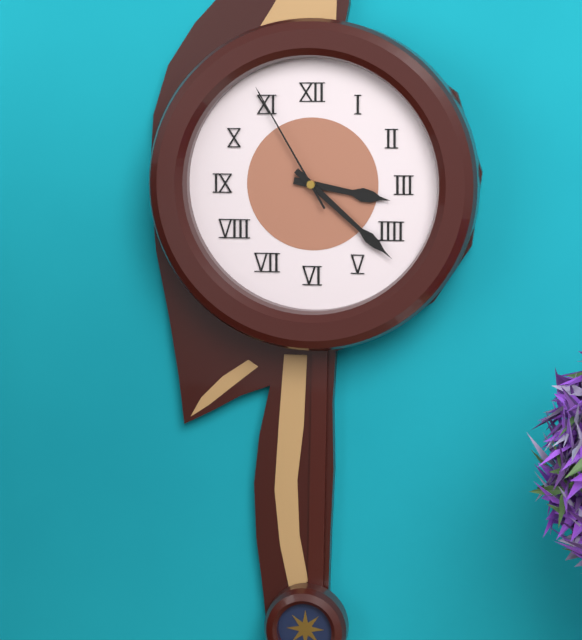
3:22:55
